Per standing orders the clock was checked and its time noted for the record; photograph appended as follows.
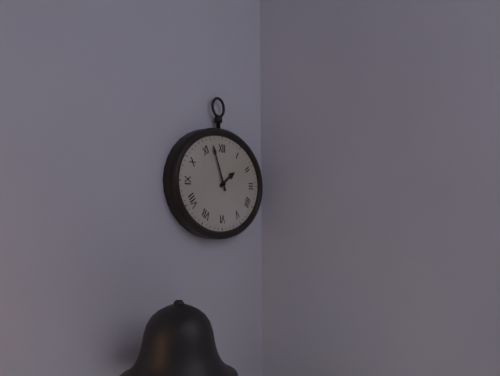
1:56
